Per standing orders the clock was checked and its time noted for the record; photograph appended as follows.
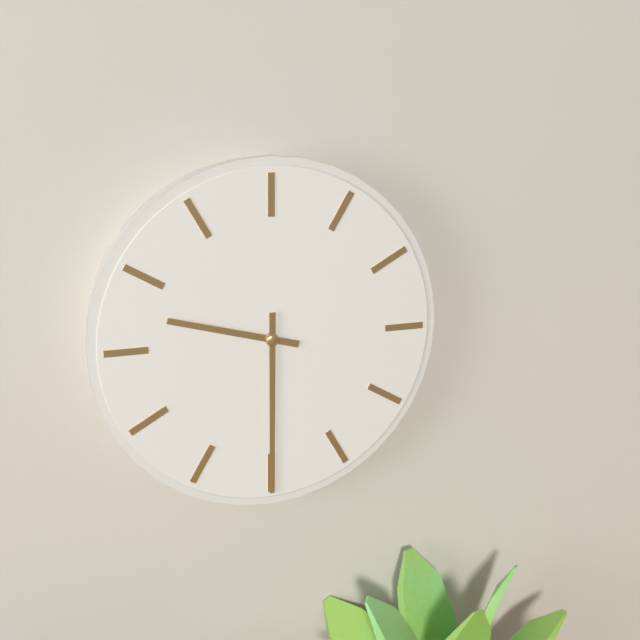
9:30
